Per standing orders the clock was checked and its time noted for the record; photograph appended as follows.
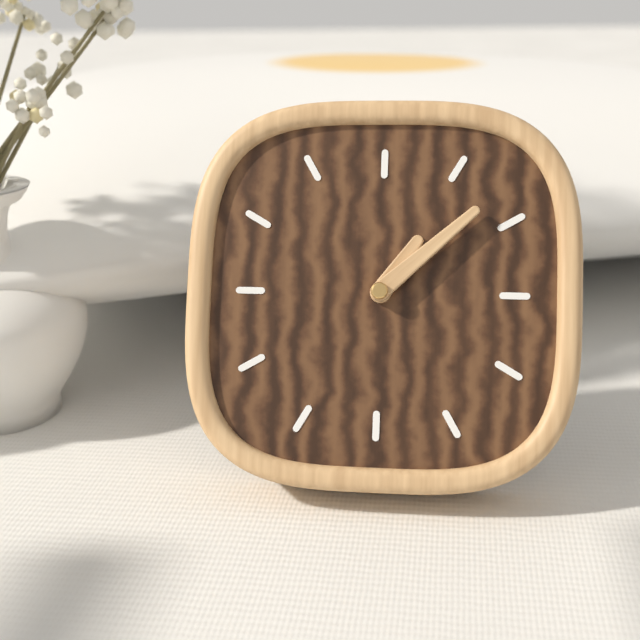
1:08
